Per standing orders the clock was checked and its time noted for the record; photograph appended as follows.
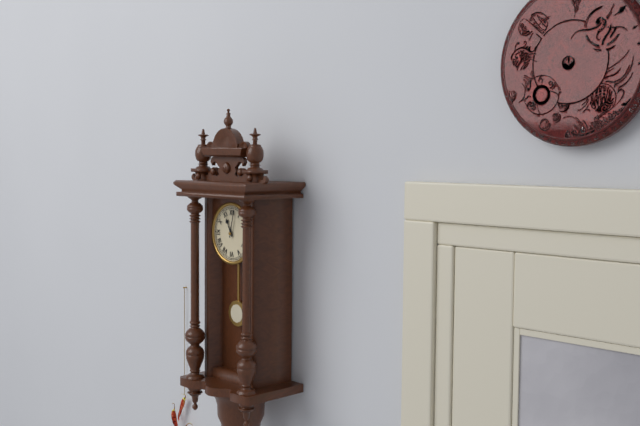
11:02
